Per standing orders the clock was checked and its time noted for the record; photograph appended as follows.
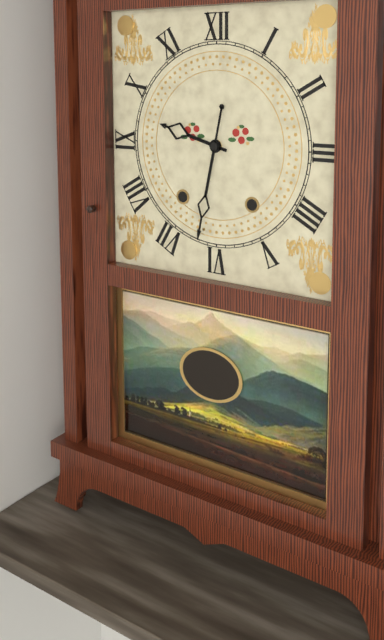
9:32
